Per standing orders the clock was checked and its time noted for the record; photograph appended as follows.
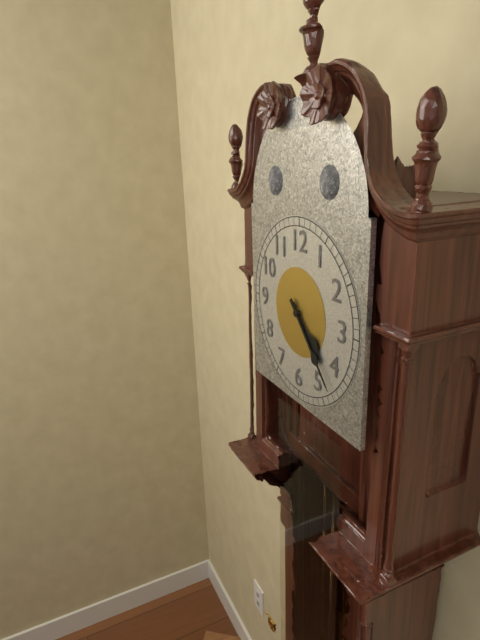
4:23
